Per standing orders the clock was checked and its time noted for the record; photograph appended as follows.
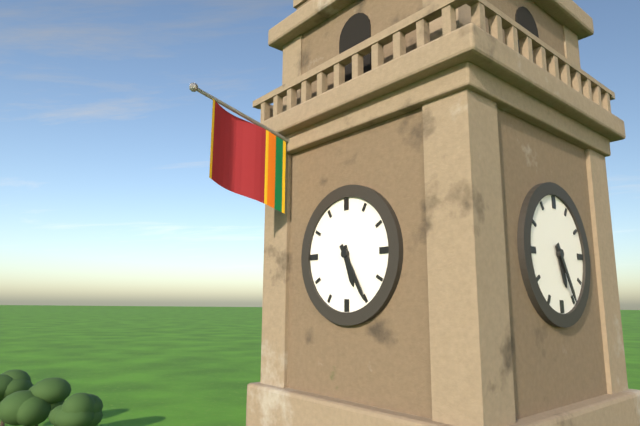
5:25
